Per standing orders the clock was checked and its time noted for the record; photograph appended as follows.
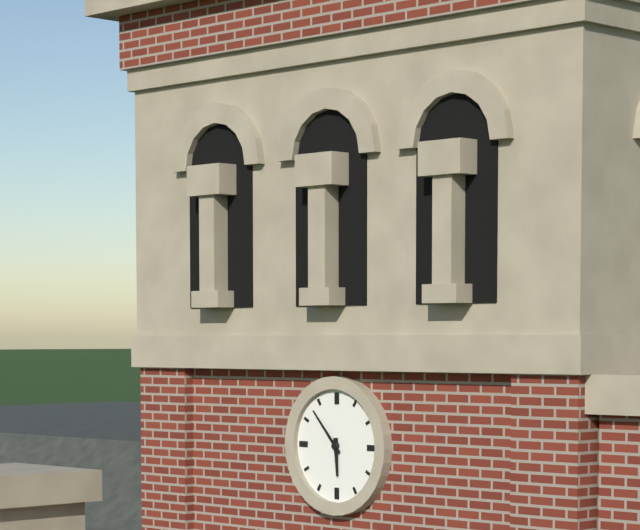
5:53
